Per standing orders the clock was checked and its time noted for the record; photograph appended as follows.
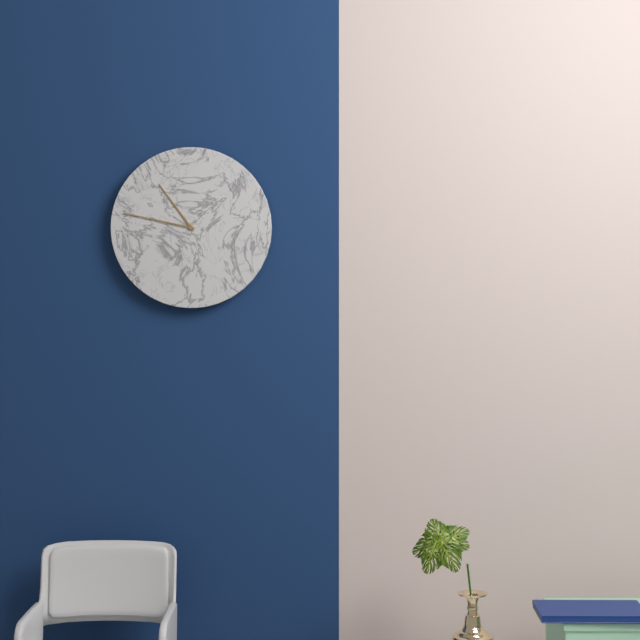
10:47
